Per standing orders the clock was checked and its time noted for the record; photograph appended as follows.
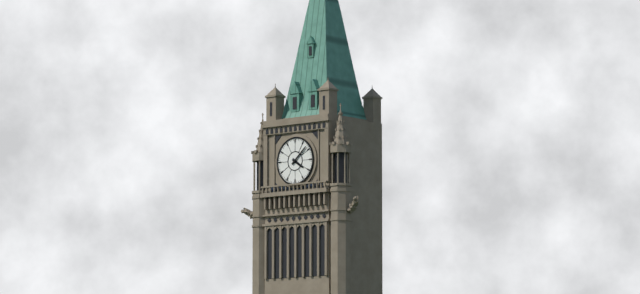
4:08
